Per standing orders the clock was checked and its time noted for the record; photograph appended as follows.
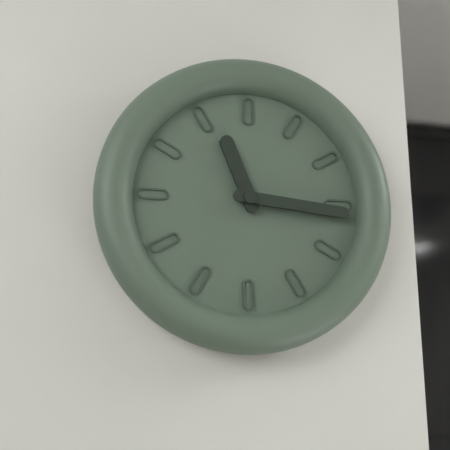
11:16
